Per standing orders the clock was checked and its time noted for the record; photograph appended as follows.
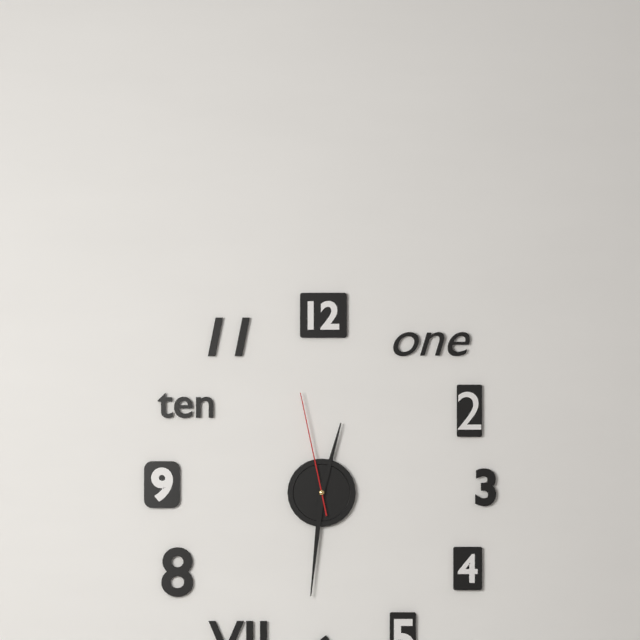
12:31:58
